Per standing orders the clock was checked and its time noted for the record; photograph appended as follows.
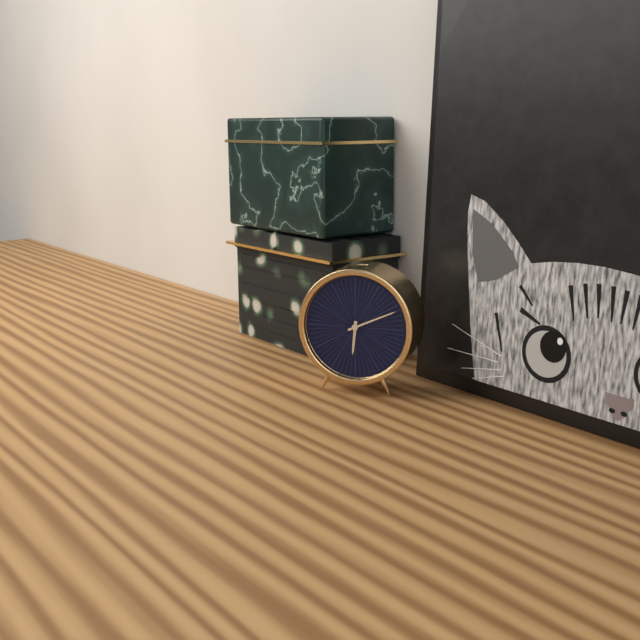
6:11
